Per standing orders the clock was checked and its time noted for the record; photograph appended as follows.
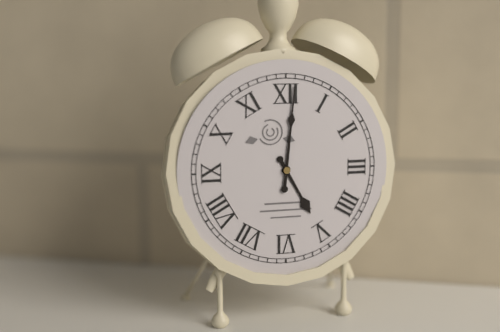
5:01
